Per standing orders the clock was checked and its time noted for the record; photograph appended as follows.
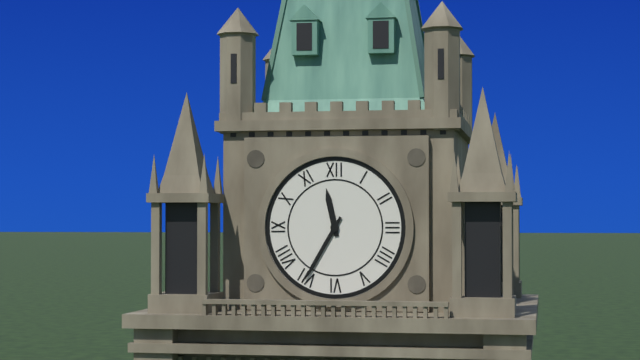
11:35
